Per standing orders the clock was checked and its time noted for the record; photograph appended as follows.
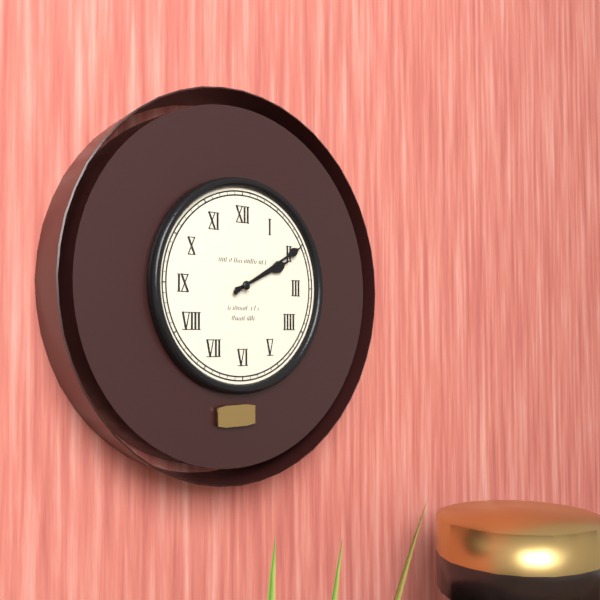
2:10
